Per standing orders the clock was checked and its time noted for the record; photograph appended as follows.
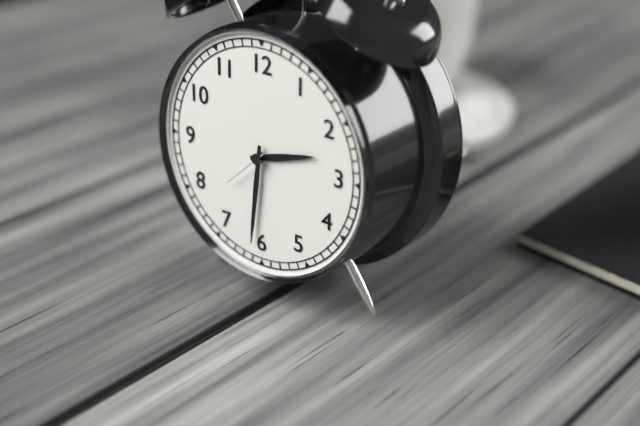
2:31
